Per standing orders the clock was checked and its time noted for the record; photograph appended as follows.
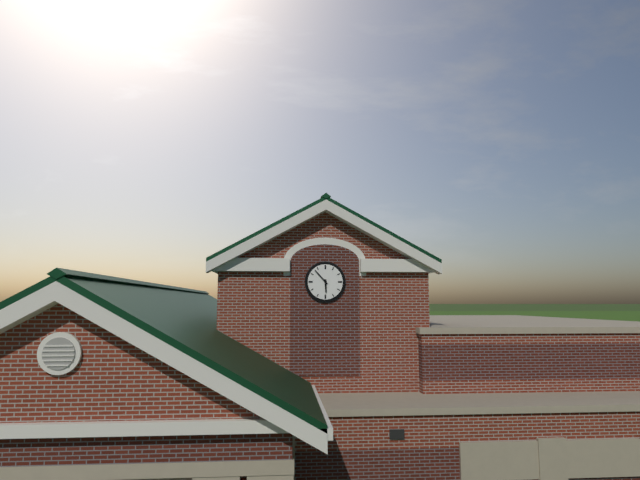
5:53
